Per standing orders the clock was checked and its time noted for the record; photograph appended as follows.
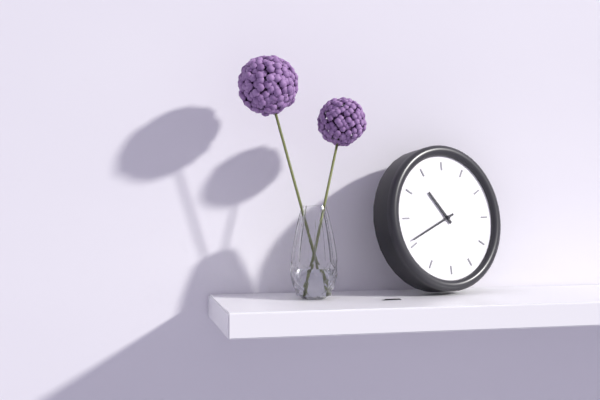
10:41
